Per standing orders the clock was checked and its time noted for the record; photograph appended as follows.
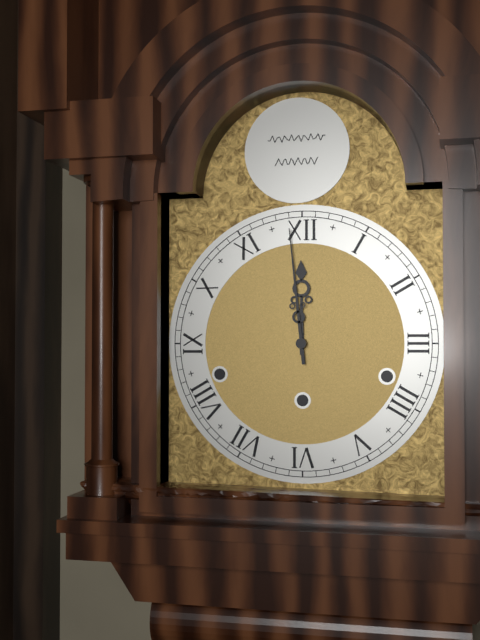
11:59
